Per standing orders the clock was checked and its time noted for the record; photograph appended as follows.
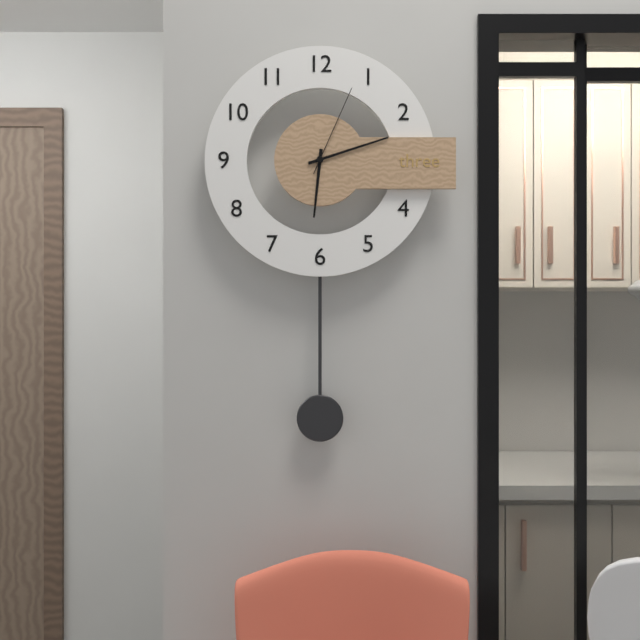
6:12:04
